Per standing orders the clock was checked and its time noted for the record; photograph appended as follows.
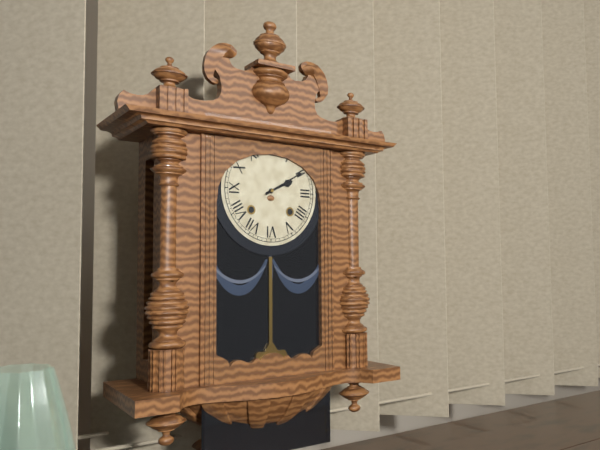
2:10
